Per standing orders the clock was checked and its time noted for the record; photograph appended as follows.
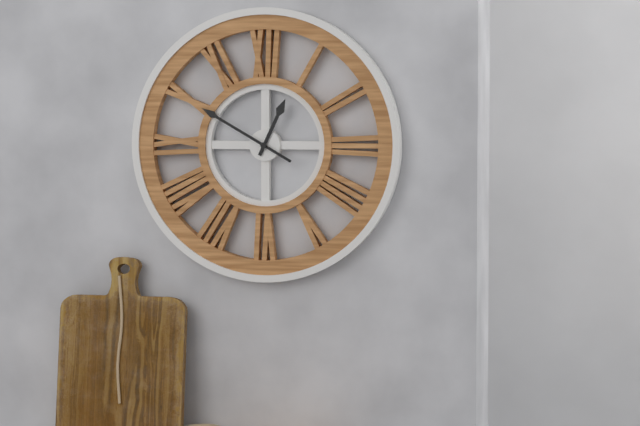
12:50
